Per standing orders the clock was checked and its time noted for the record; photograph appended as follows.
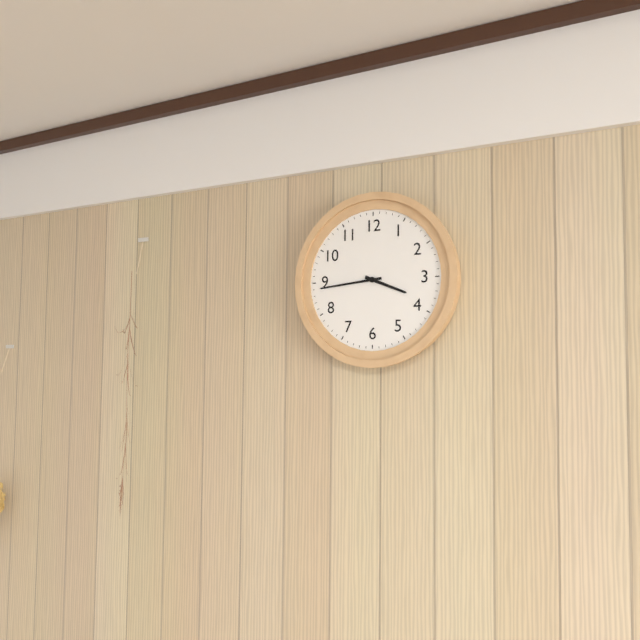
3:44
